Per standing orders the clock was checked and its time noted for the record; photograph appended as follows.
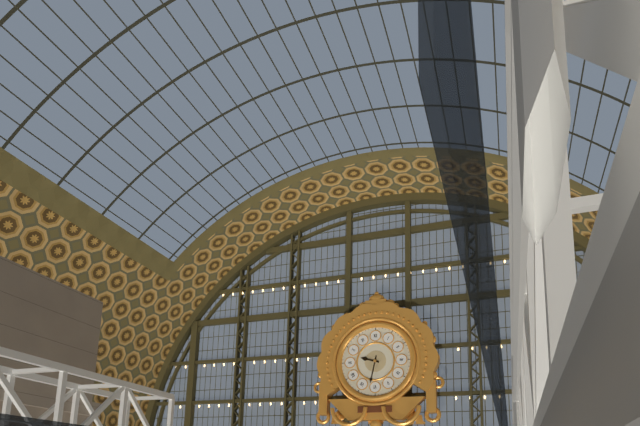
9:32
